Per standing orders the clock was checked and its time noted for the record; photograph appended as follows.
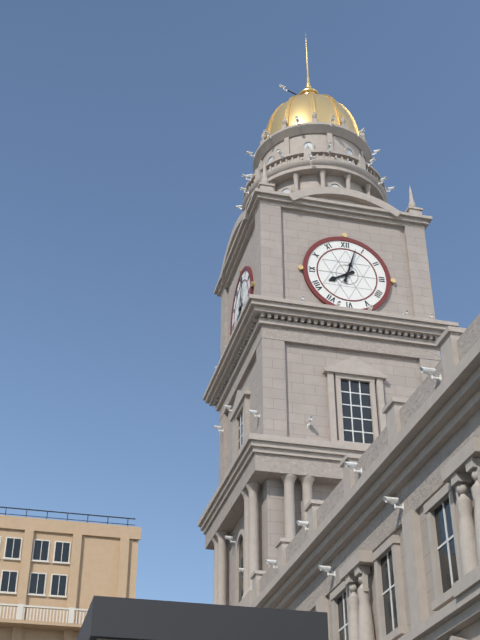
8:03
